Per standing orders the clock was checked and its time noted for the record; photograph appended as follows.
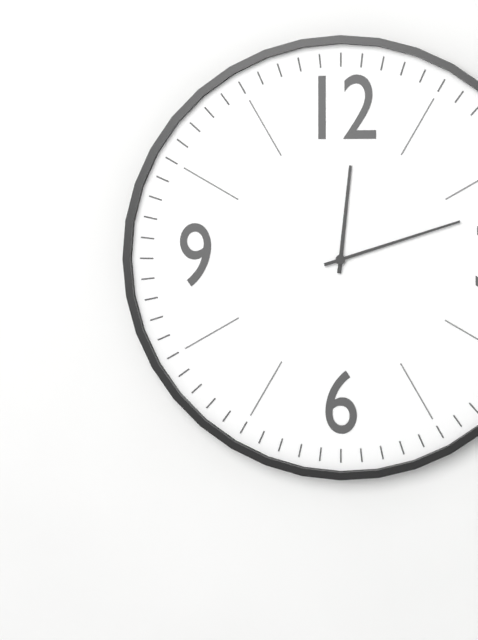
12:12
